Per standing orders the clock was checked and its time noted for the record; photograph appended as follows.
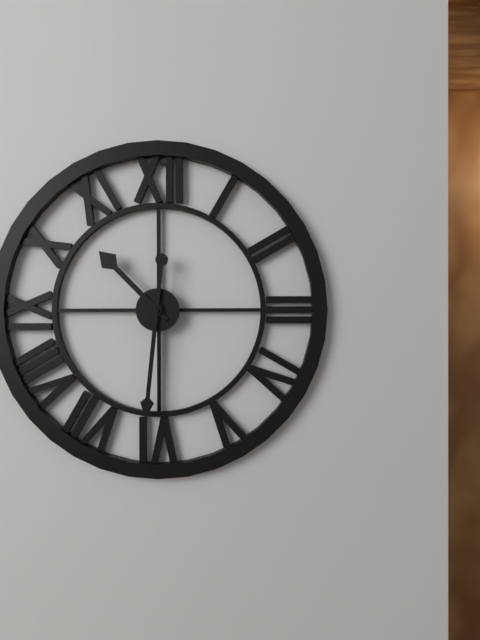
10:31
